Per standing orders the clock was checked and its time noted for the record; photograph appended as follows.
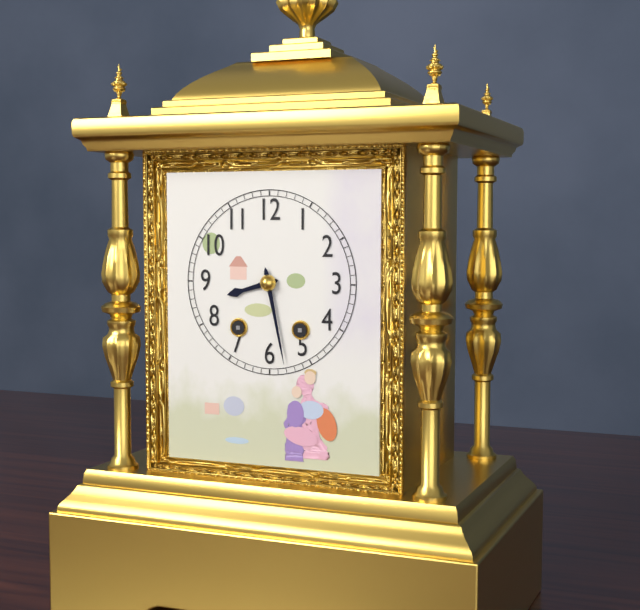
8:28
